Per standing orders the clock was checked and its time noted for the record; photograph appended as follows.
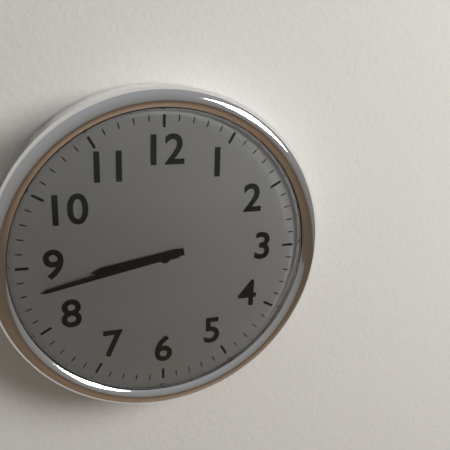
8:43
